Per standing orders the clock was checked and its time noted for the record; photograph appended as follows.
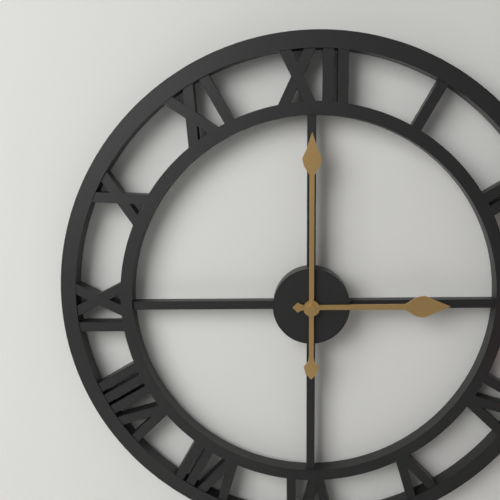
3:00
